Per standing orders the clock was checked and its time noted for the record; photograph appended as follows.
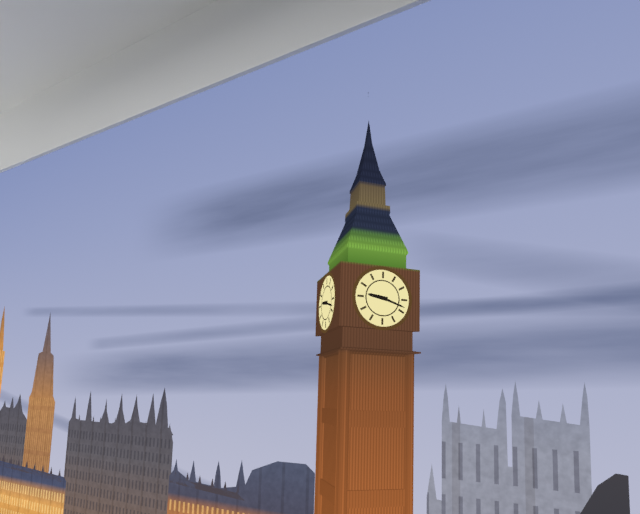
9:18
